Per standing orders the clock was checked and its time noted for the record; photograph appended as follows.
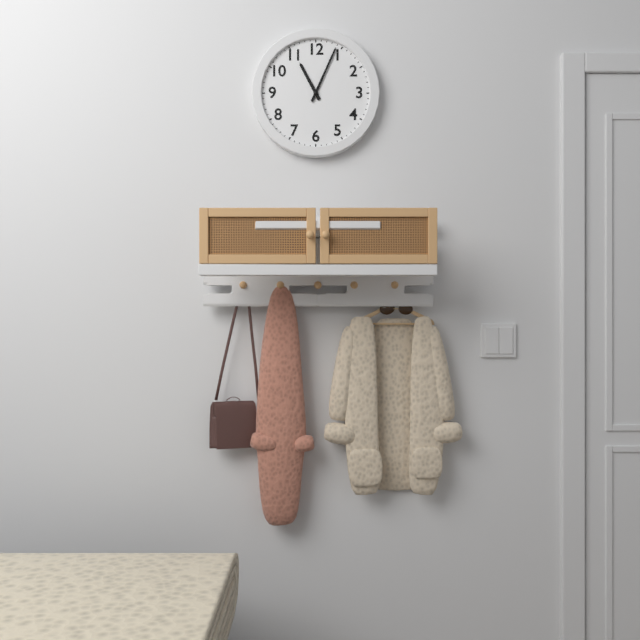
11:04
